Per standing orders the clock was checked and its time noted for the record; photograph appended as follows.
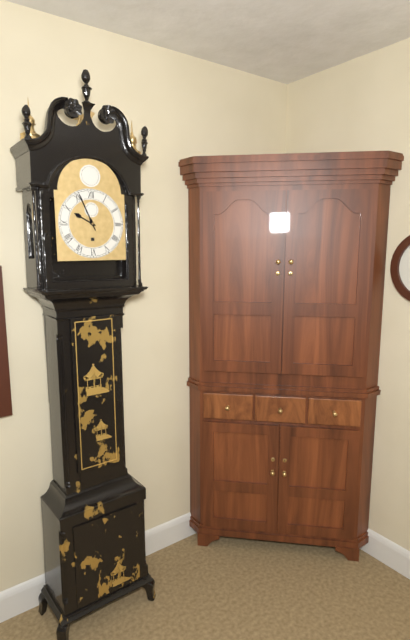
9:56
